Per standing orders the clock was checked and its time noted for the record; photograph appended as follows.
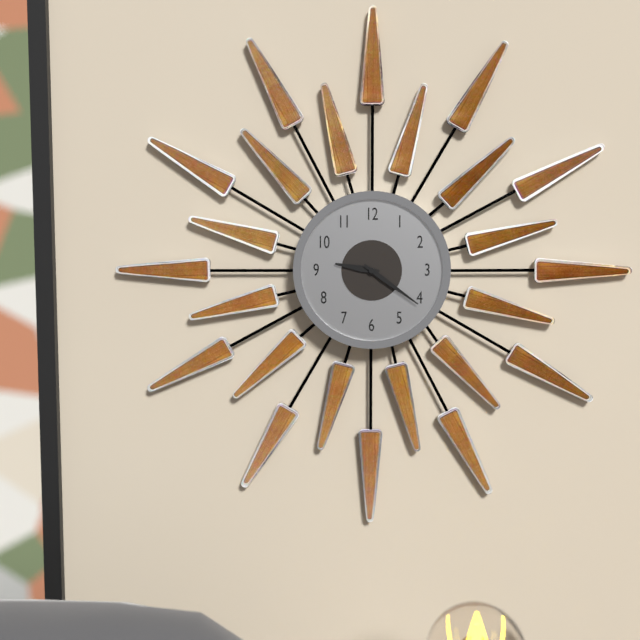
9:21
